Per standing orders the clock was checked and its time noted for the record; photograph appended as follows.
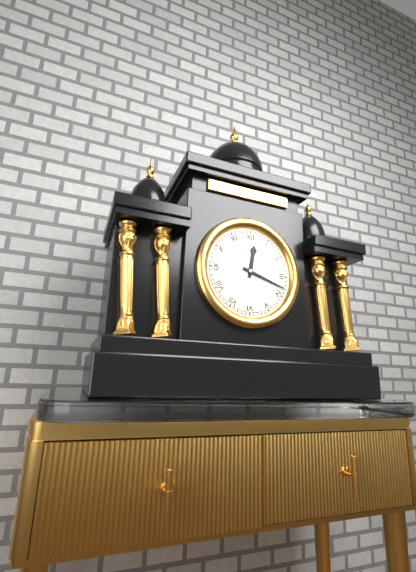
12:18
